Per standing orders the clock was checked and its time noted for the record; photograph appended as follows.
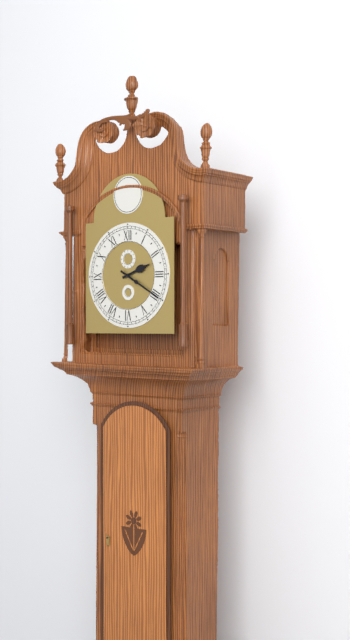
2:20
